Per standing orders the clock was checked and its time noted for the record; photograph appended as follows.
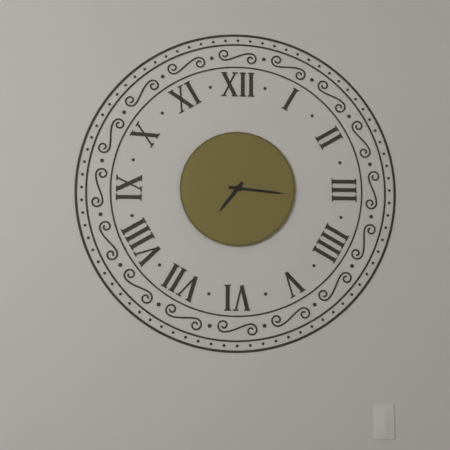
7:16
